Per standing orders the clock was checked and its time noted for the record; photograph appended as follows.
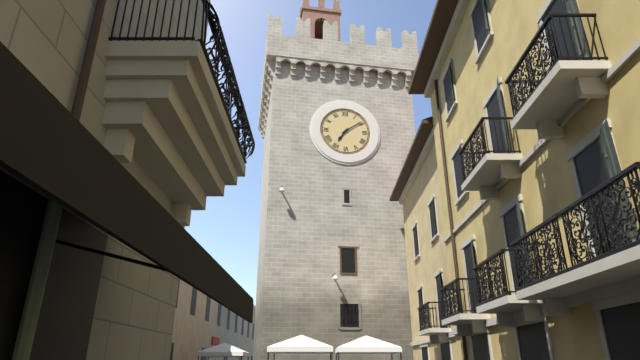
7:09
